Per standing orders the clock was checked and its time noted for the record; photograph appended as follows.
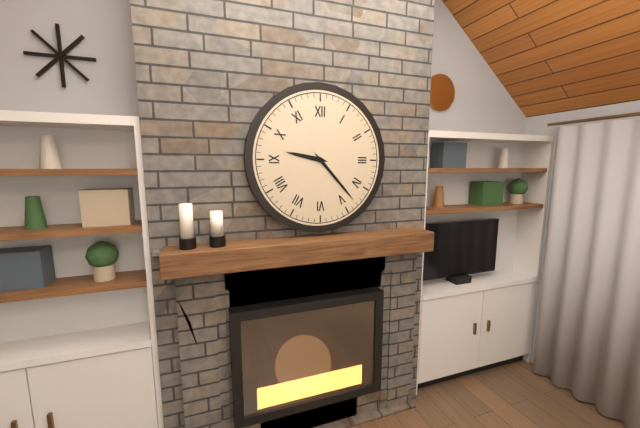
9:23
